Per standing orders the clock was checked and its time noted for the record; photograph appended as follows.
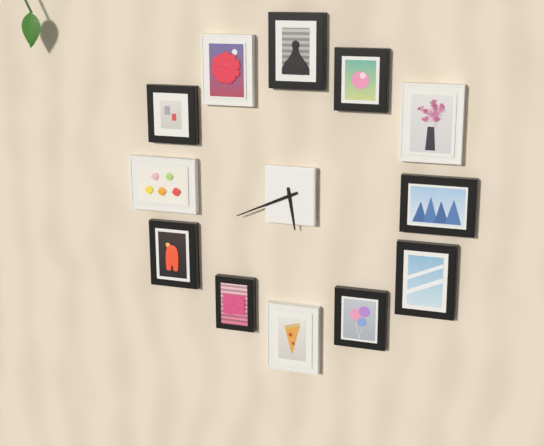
5:41
